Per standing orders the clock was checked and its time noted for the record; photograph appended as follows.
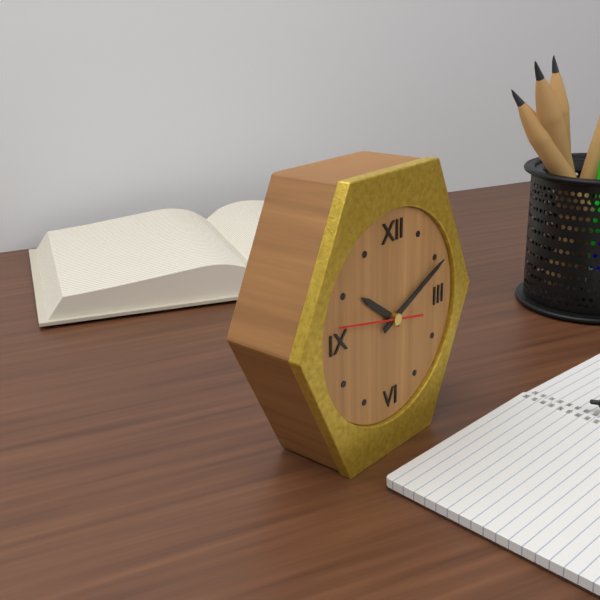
10:11
